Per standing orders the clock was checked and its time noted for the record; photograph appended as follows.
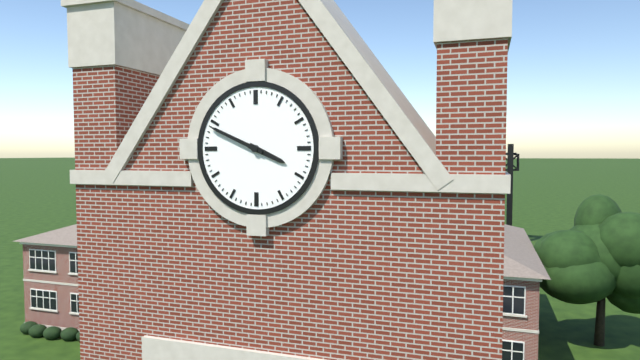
3:49
